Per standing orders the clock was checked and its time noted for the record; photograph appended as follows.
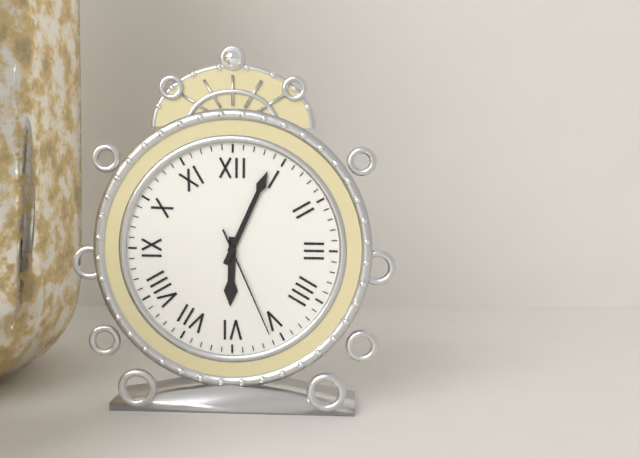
6:04:26
